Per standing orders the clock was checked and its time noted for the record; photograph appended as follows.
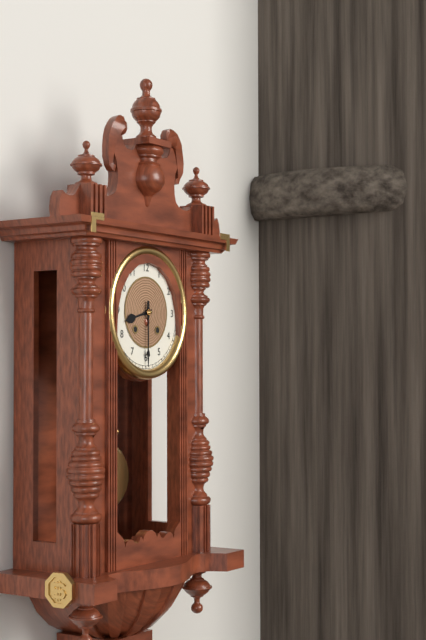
8:30
